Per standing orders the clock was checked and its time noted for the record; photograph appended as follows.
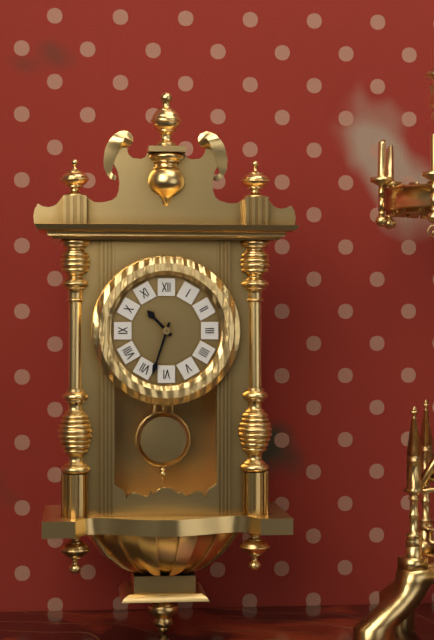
10:33
